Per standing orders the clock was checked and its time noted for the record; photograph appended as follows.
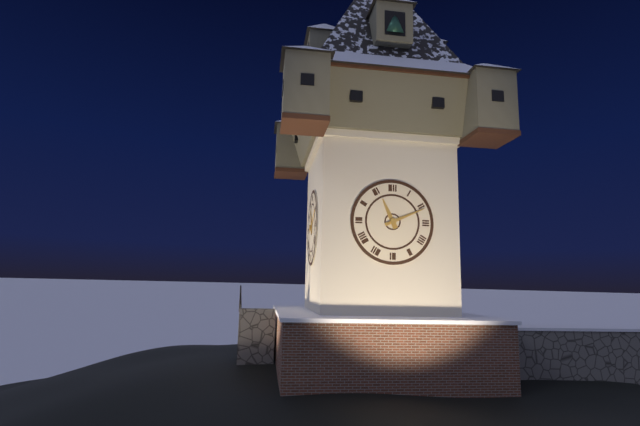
11:11
